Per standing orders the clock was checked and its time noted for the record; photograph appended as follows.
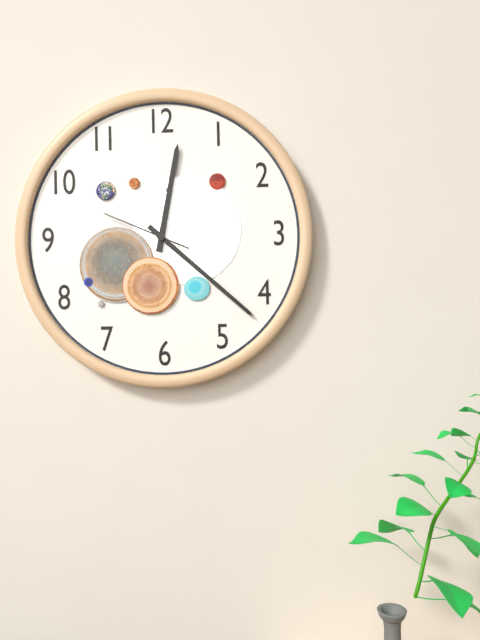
12:22:49
